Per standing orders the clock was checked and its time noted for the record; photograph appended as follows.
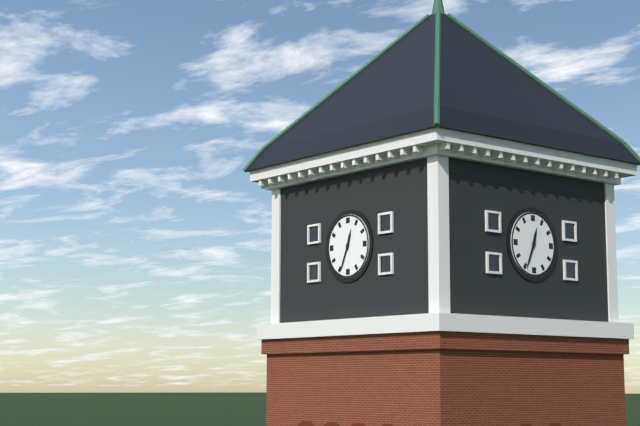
12:34
